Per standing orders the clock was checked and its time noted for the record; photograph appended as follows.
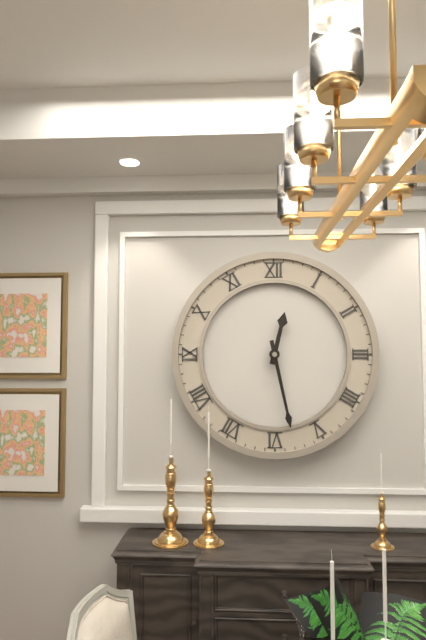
12:28
